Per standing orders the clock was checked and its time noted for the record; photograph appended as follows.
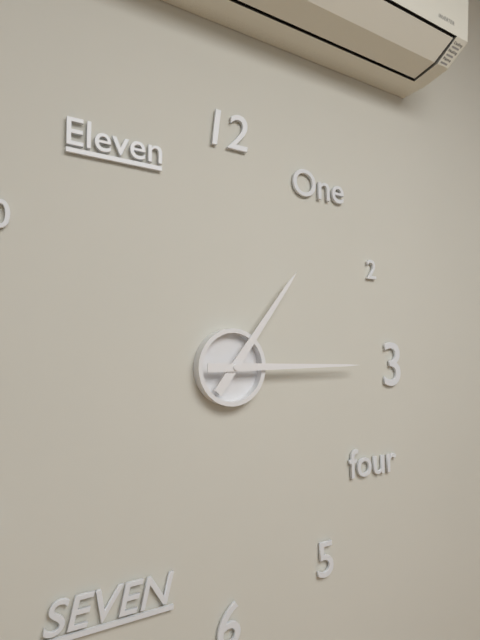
1:15
